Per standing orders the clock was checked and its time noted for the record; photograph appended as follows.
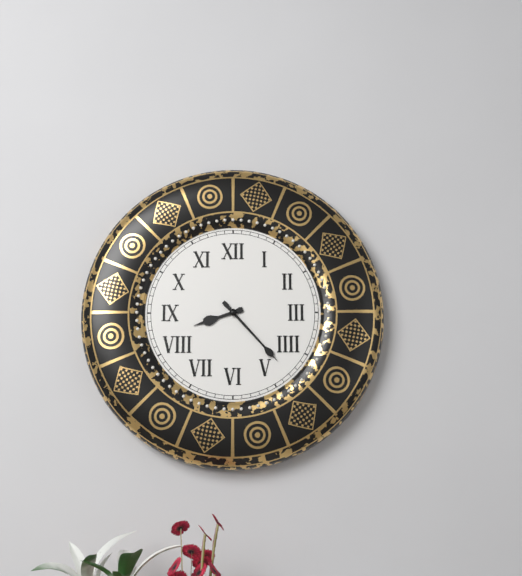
8:23
